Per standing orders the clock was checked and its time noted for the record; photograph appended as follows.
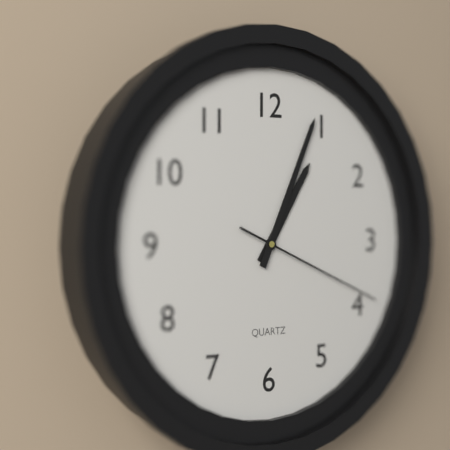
1:04:19
